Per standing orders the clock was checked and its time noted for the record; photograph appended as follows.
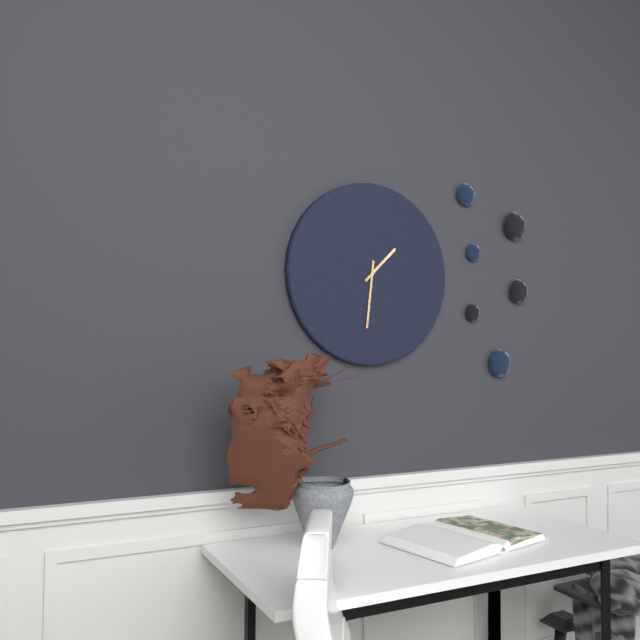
1:31
